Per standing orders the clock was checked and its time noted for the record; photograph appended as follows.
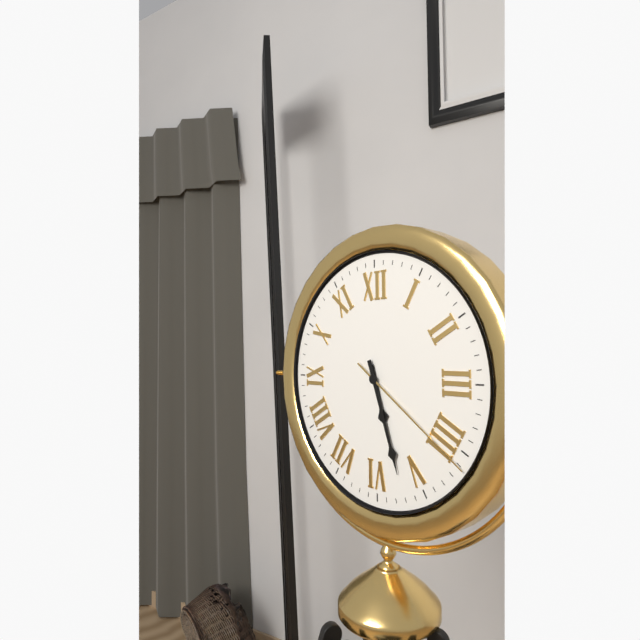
5:27:21
